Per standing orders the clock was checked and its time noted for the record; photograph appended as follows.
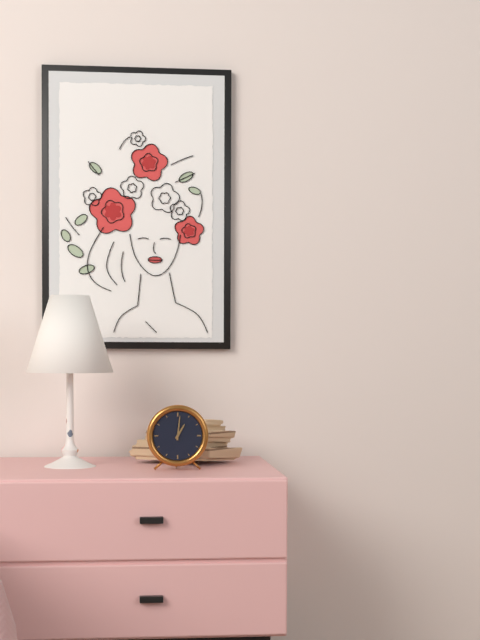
1:01
